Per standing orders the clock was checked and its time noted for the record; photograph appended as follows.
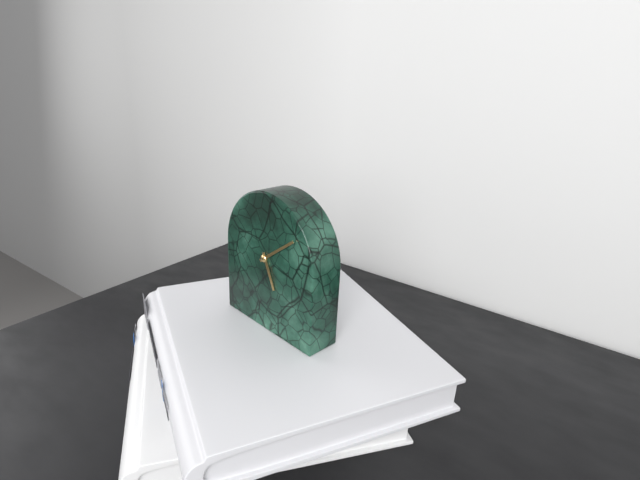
5:09
